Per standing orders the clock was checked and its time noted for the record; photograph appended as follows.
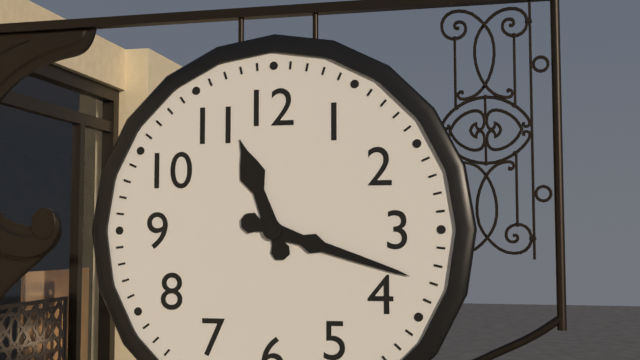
11:18
